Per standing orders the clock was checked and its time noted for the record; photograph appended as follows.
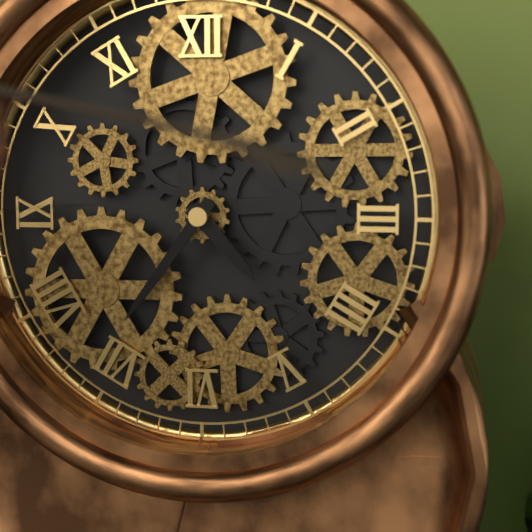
4:36
